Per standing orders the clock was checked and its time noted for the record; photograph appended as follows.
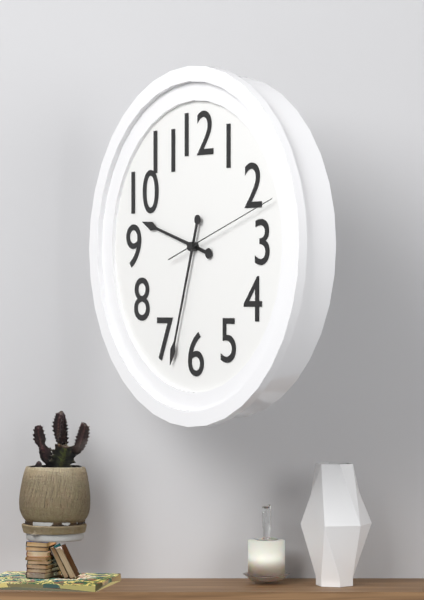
9:33:12
